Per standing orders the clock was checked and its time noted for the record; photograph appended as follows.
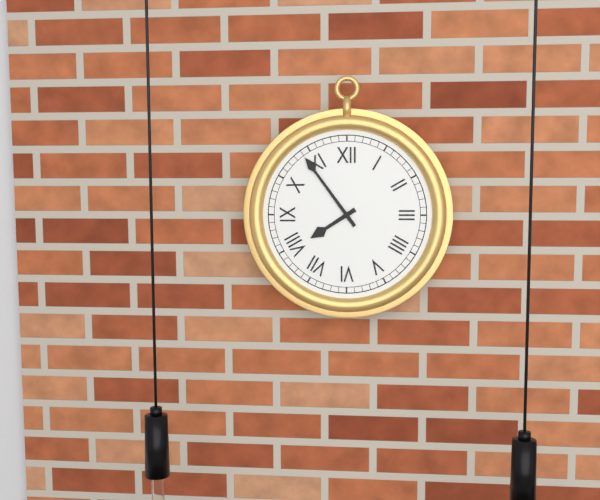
7:54
